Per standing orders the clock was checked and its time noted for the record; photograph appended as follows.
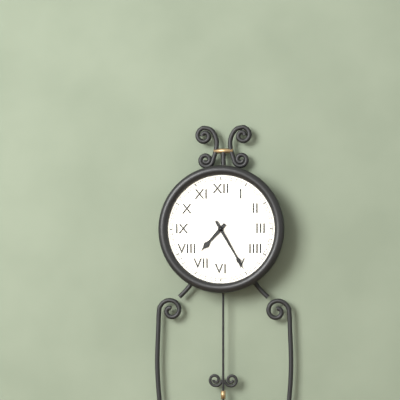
7:25
